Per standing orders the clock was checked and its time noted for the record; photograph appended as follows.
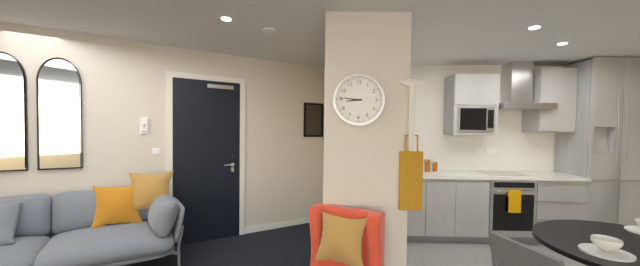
8:46
